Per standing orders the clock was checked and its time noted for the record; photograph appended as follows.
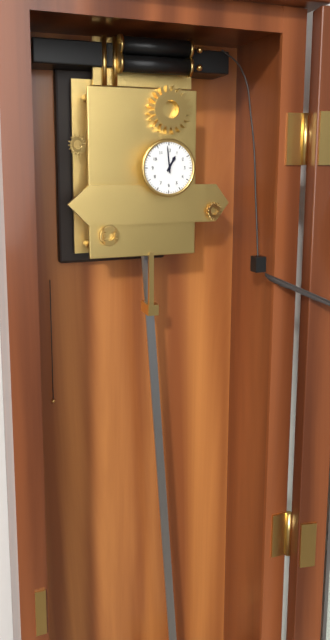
12:59
